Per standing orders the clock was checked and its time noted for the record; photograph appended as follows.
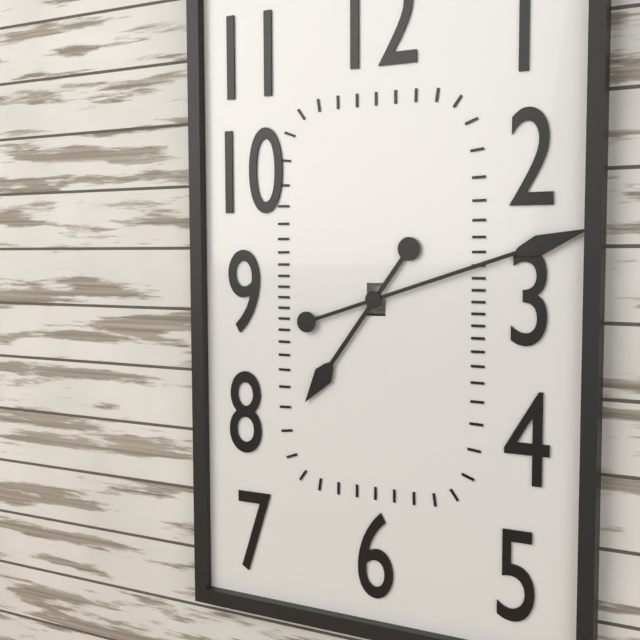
7:12
